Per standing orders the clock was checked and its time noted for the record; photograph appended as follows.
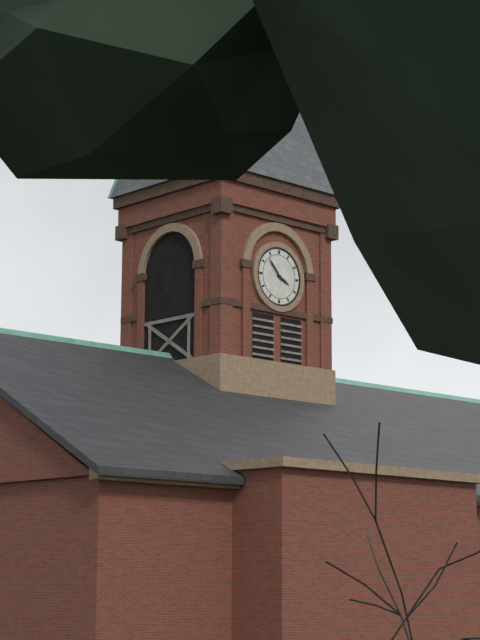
3:53
